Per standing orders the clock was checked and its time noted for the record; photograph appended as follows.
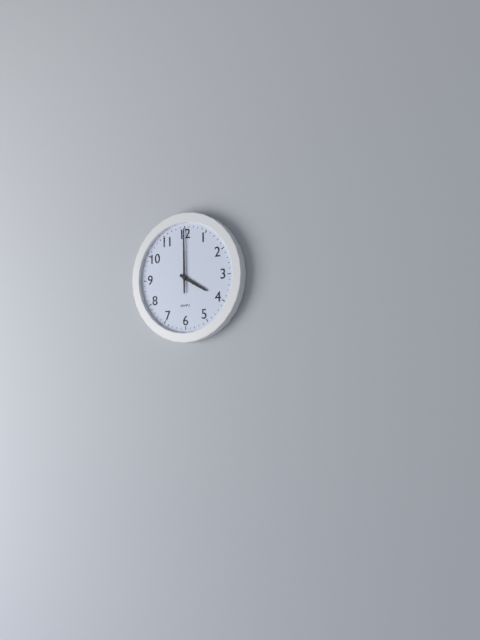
4:00
